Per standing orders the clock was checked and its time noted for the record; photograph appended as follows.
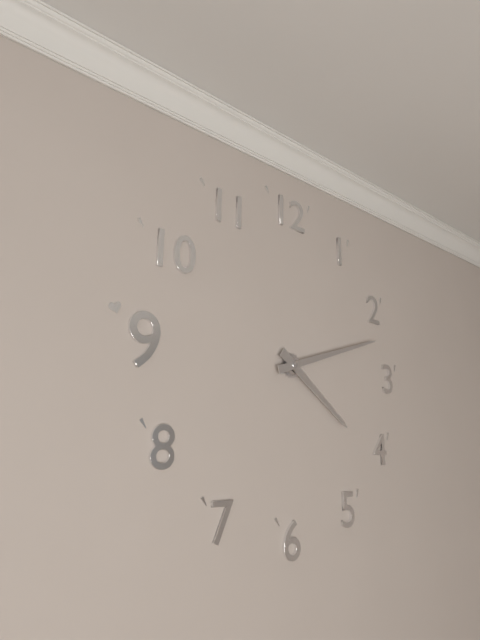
4:12
